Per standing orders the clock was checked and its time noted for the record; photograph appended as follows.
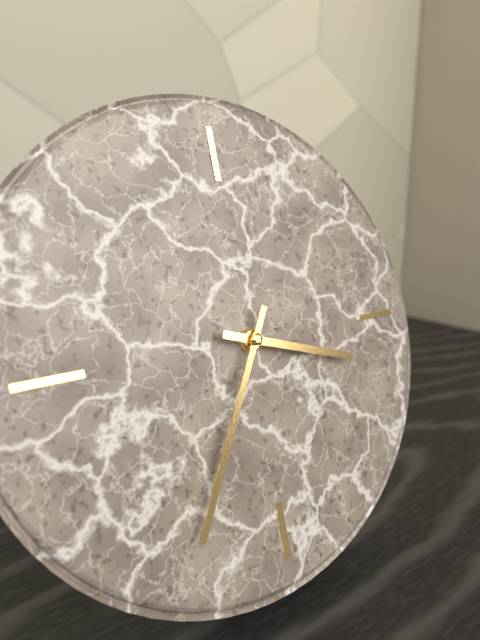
3:35
